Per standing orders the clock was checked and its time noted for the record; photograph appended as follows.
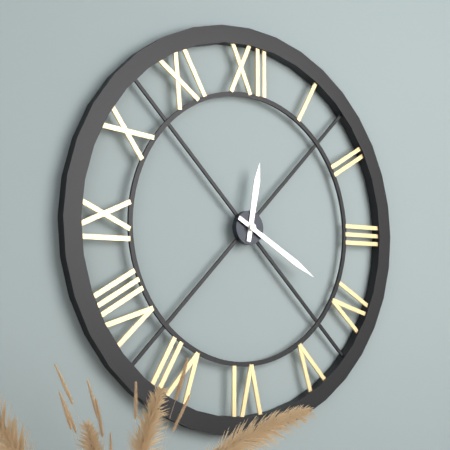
12:20
